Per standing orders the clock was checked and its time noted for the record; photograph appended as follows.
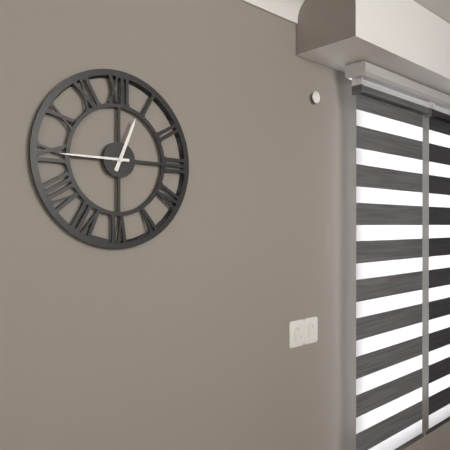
12:45
